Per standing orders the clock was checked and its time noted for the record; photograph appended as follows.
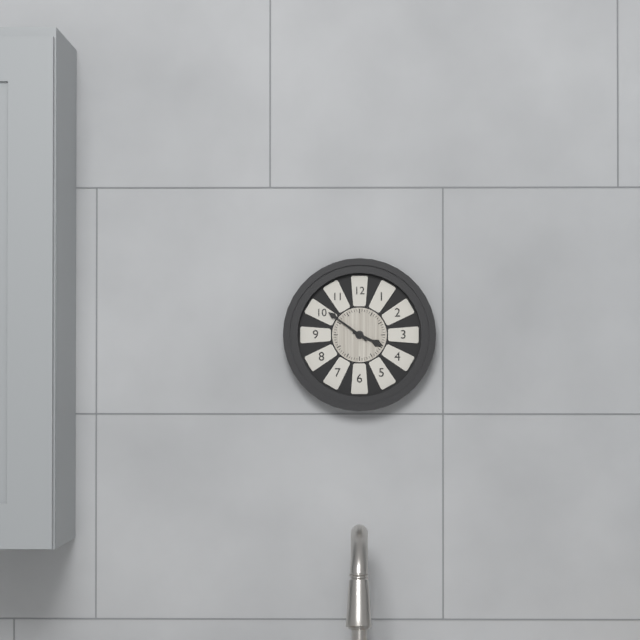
3:51
